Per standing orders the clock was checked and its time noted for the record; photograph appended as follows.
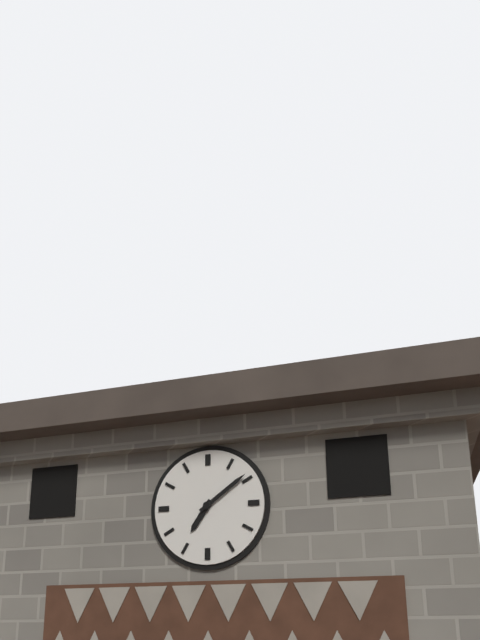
7:09
